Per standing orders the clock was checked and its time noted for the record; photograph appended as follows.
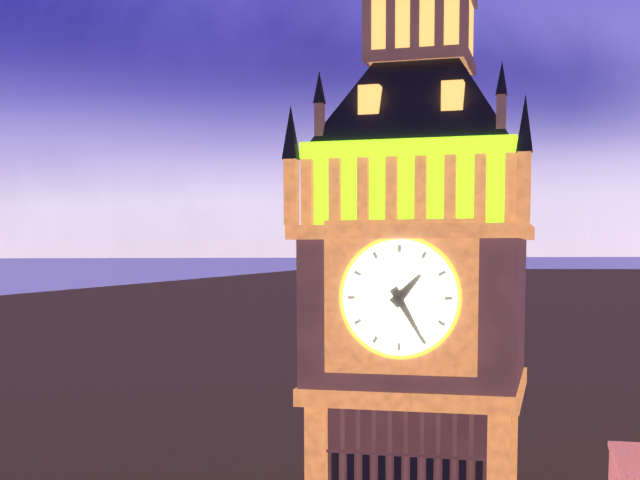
1:25
